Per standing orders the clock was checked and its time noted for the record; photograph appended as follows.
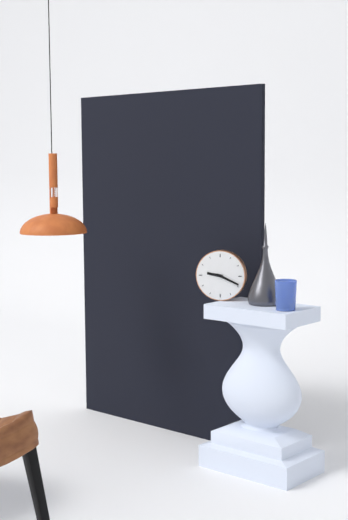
9:19
